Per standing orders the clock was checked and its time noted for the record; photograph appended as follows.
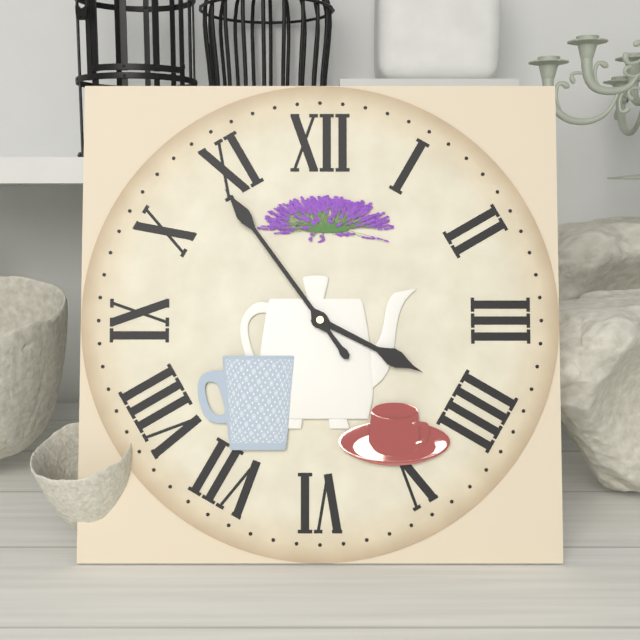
3:54
